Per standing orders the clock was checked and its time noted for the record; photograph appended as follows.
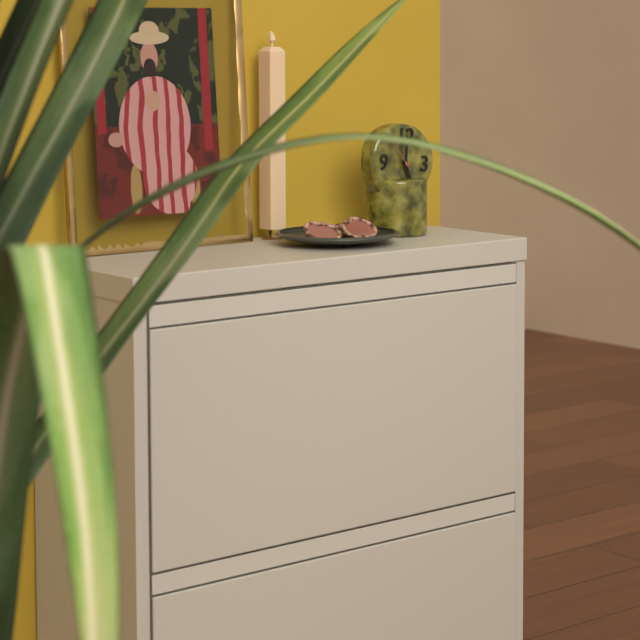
5:00
